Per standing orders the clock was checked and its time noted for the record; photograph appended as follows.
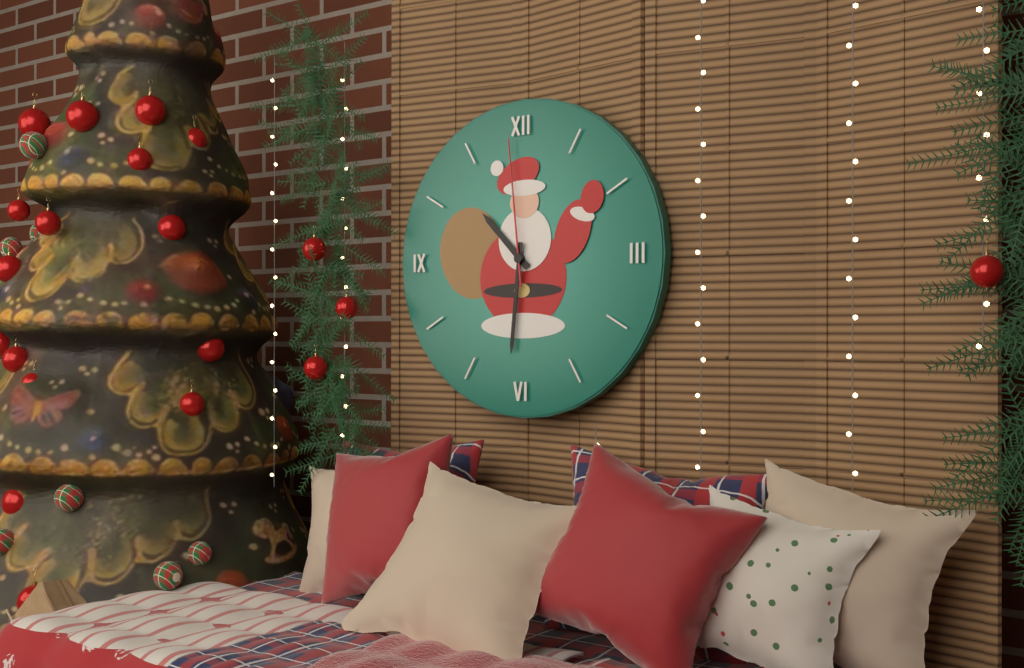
10:31:59
